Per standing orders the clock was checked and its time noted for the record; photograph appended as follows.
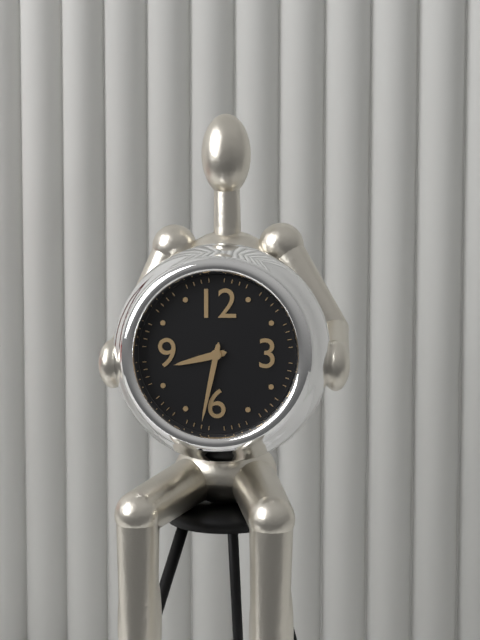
8:32
